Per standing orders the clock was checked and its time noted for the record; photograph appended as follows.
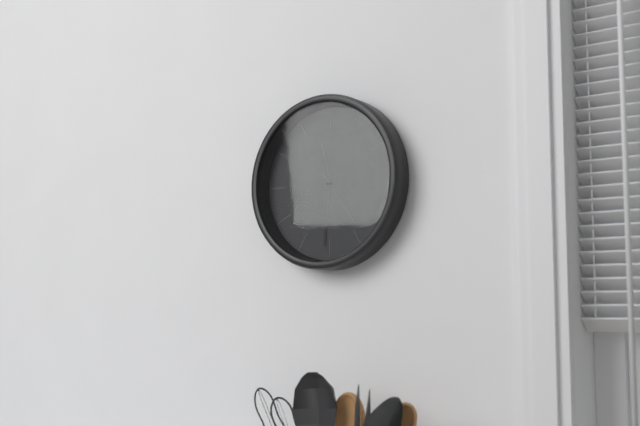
11:31:24
